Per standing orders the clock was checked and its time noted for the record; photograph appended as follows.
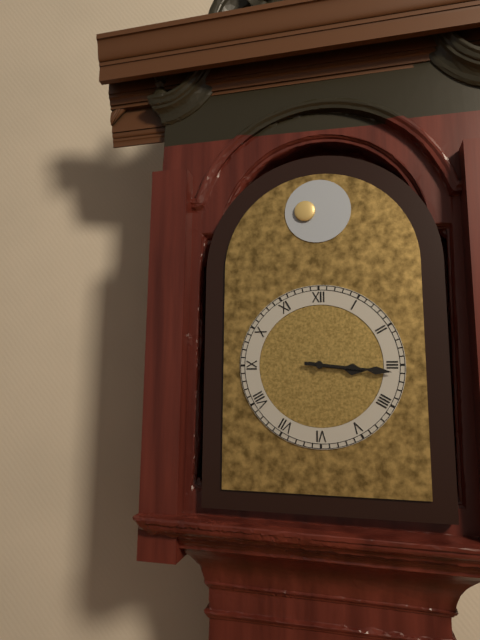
3:16
